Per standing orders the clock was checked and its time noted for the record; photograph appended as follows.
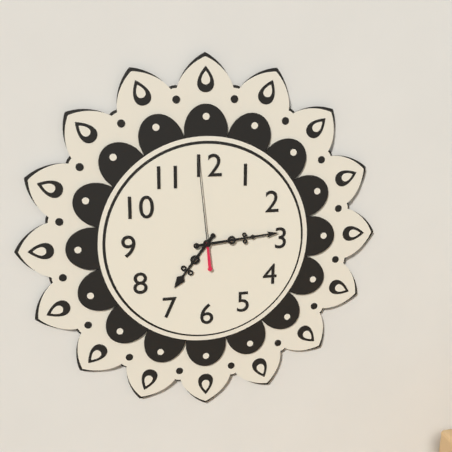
7:14:59
